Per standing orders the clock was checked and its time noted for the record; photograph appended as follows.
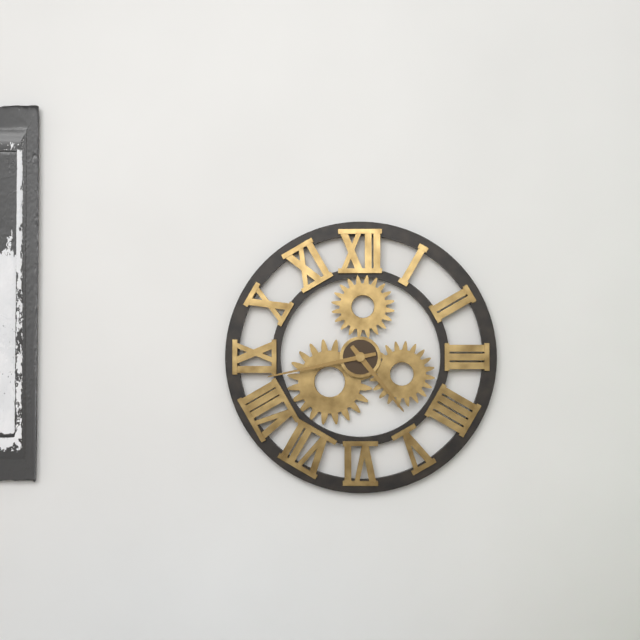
4:43
